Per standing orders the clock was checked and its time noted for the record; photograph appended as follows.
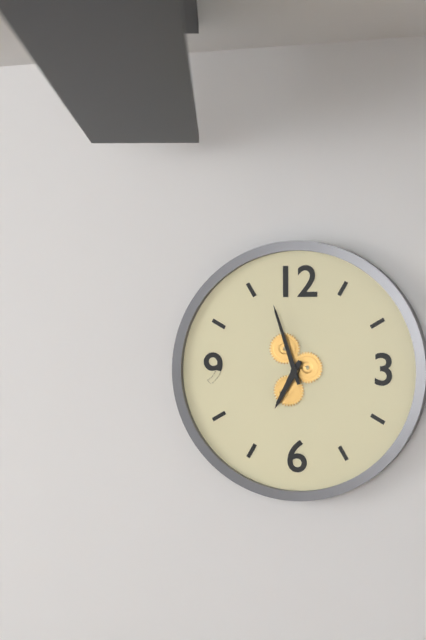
6:57
